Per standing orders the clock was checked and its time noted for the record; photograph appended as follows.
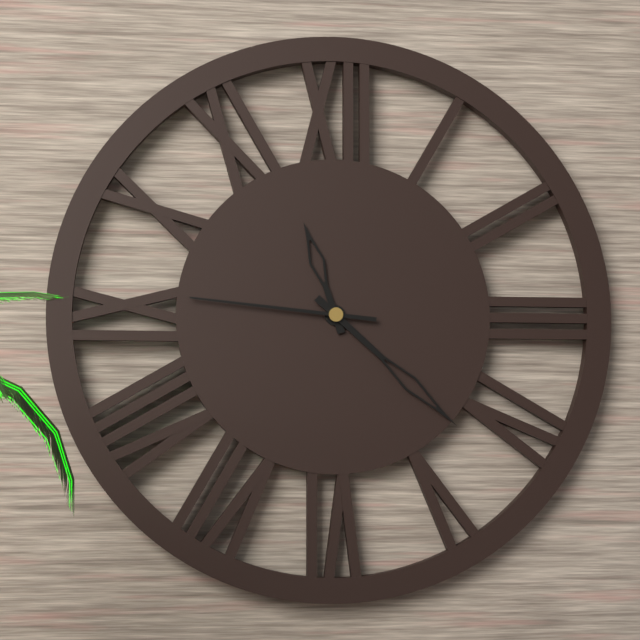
11:22:46
